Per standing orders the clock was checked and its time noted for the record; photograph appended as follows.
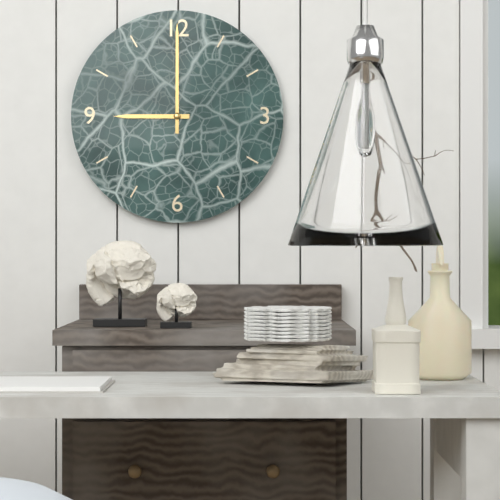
9:00
